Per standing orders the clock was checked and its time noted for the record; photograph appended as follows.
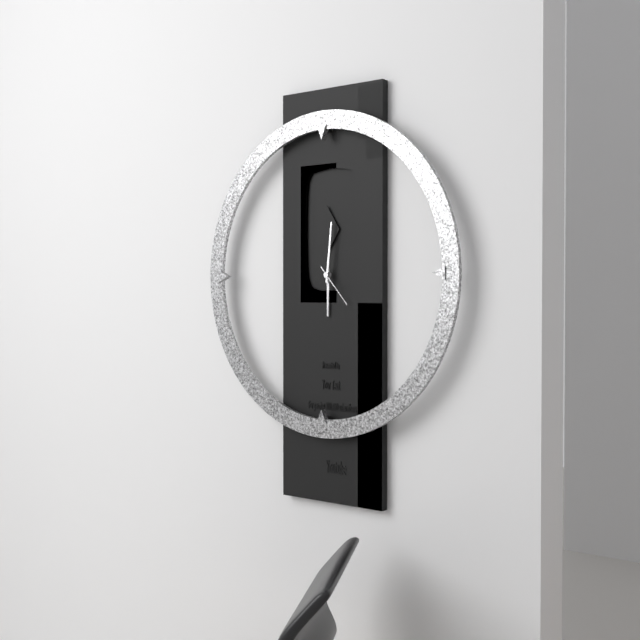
6:01
